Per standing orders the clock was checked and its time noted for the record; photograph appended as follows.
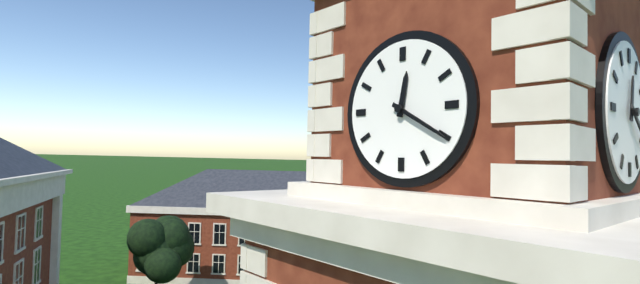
12:20
